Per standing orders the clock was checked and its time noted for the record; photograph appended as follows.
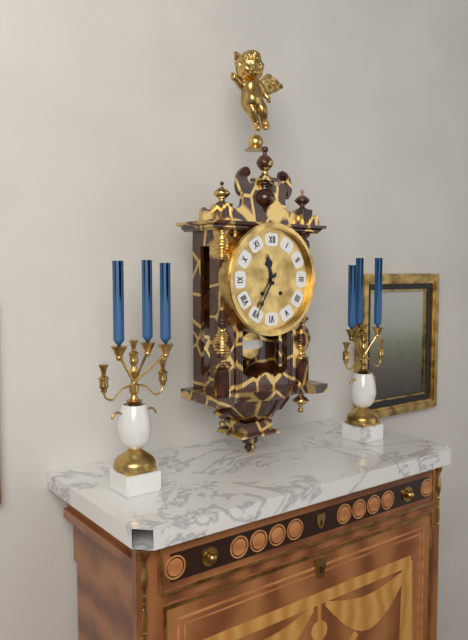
11:35
